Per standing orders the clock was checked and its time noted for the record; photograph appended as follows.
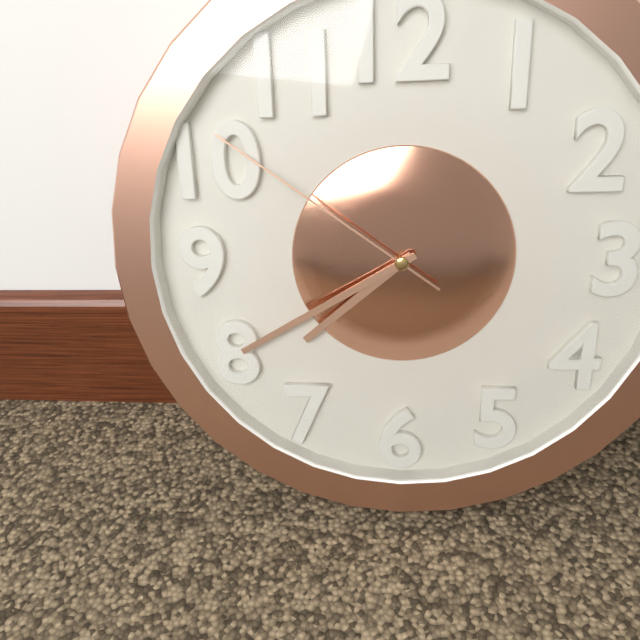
7:40:51
